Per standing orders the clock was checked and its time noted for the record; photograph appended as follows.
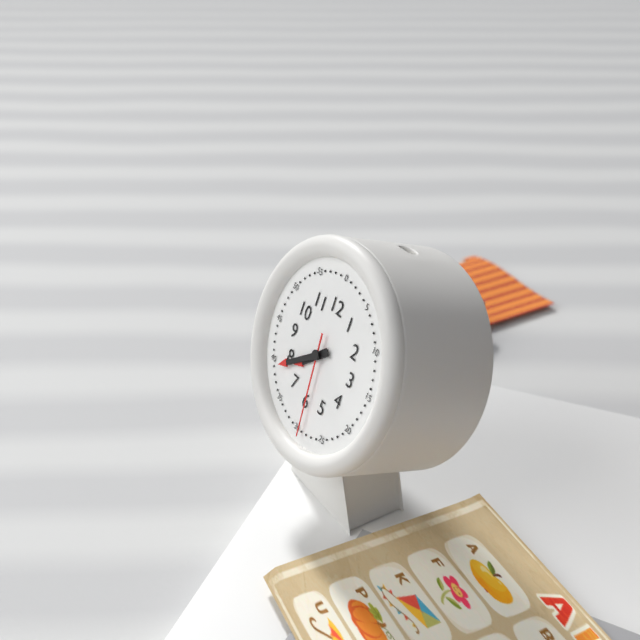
7:39:29
